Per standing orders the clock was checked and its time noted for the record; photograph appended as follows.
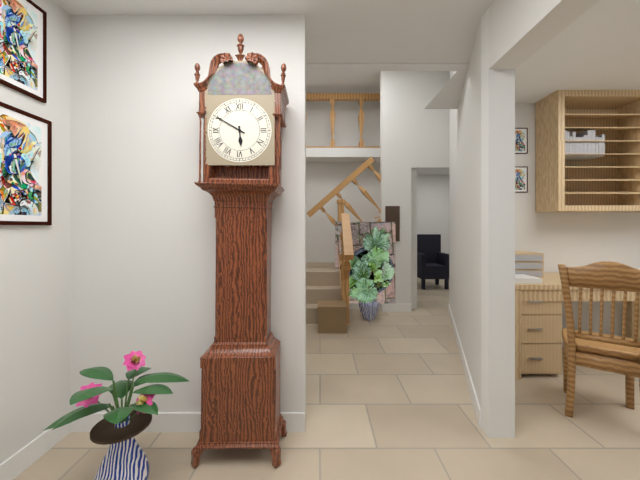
5:50
